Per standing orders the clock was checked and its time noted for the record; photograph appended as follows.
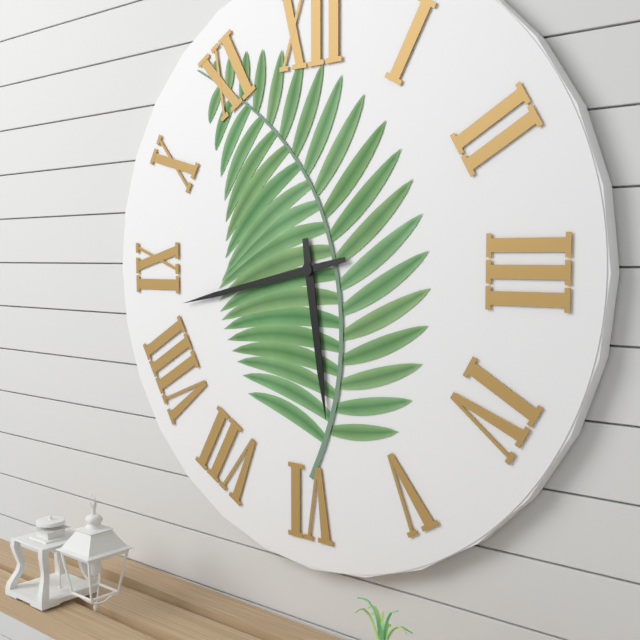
5:43
